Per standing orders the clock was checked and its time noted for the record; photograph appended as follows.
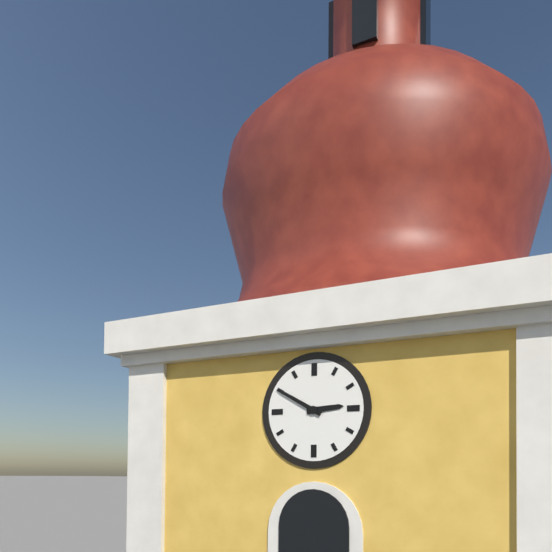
2:50
